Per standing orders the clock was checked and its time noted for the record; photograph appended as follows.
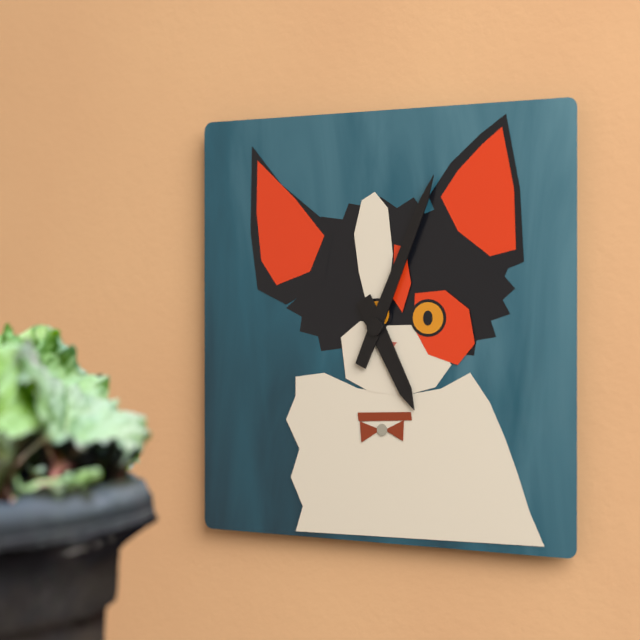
5:04
